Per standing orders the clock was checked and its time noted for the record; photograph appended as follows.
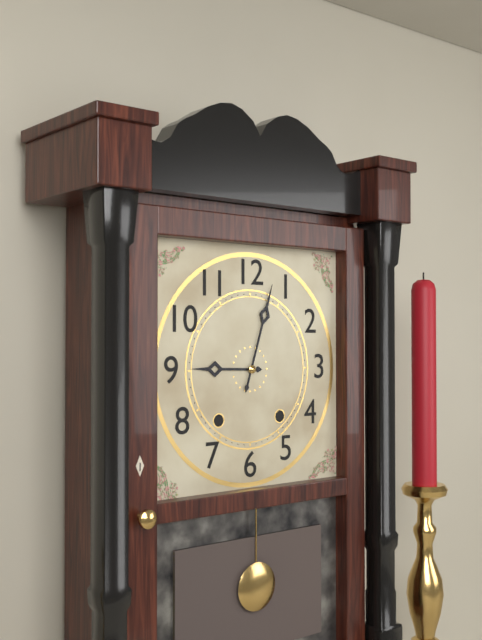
9:03
